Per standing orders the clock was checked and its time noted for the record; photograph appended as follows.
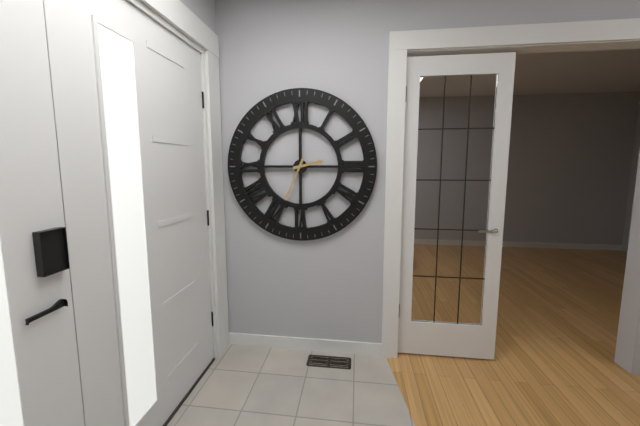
2:34
